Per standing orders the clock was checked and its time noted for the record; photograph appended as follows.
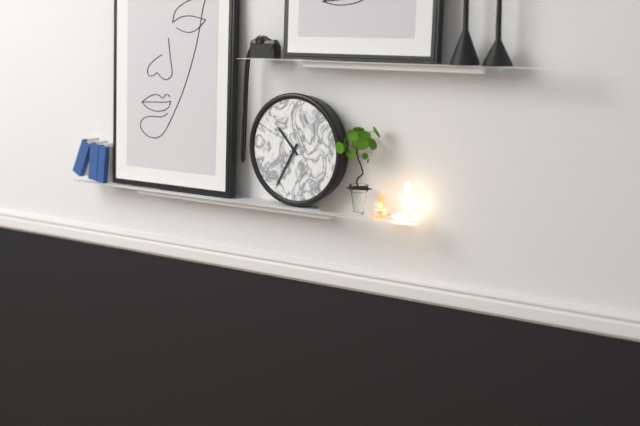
10:35
